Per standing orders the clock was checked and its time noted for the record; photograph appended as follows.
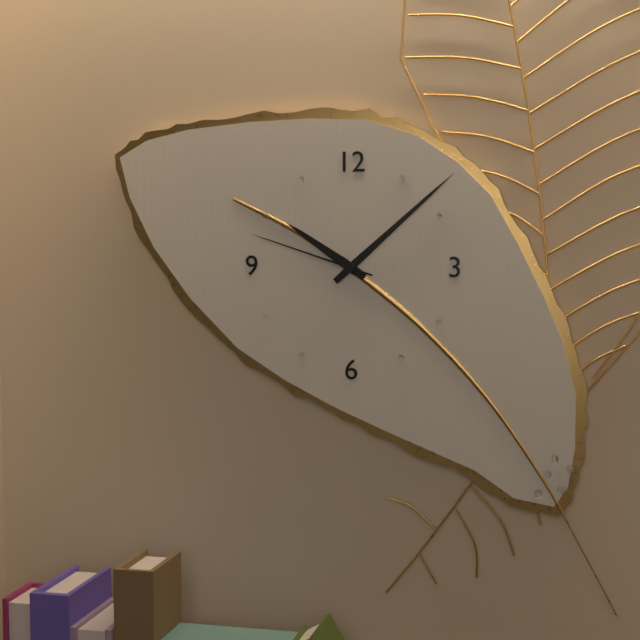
10:08:48
